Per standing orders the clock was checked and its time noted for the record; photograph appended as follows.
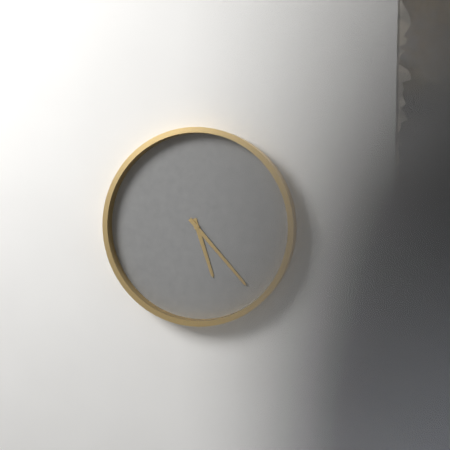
5:23
